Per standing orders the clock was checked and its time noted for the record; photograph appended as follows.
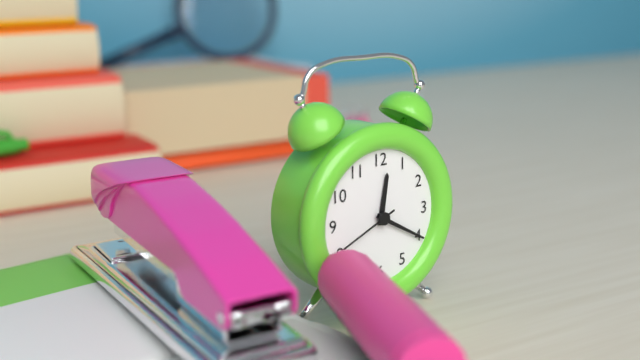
12:20:41
